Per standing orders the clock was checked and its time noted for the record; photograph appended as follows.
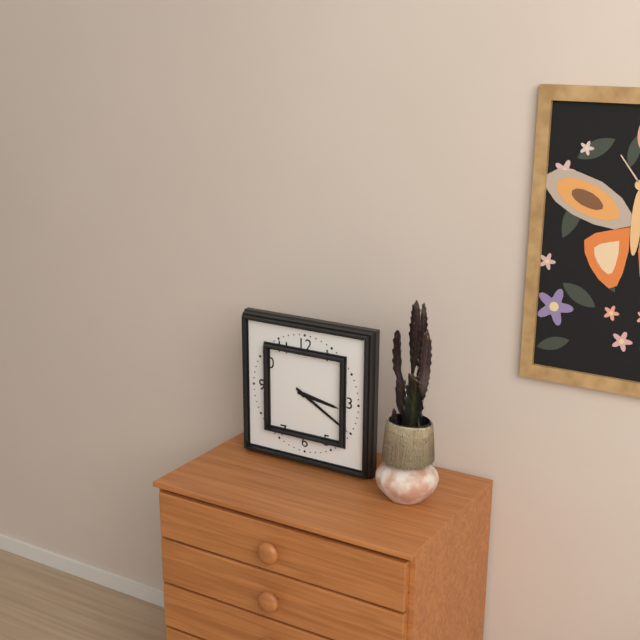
3:20
